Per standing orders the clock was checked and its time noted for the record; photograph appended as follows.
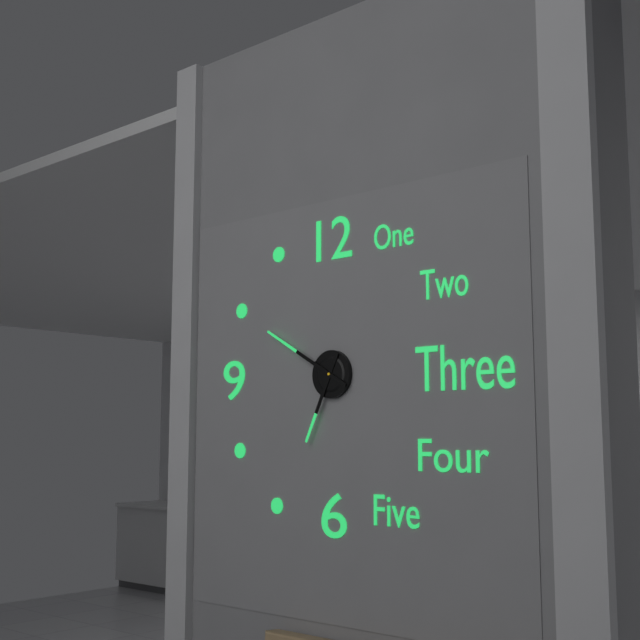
6:50
